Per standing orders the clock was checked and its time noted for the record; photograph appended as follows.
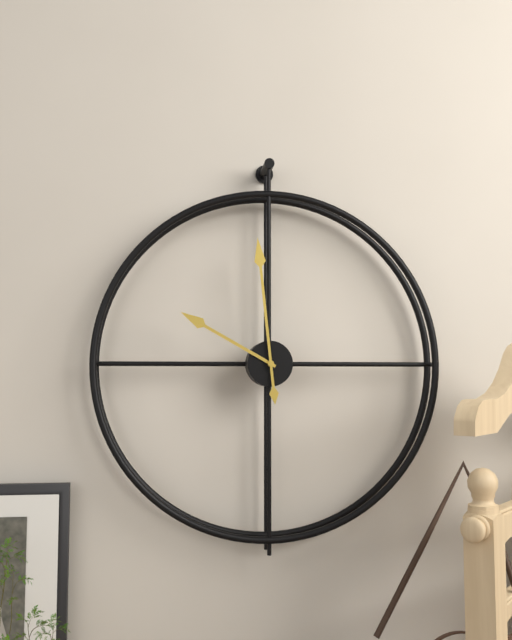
9:59
